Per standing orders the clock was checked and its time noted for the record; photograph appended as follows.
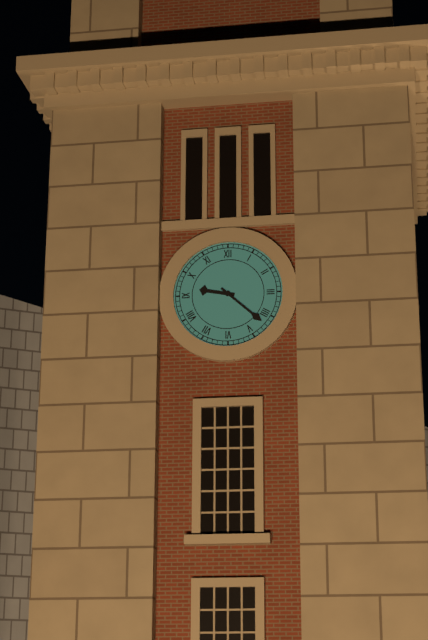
9:22
